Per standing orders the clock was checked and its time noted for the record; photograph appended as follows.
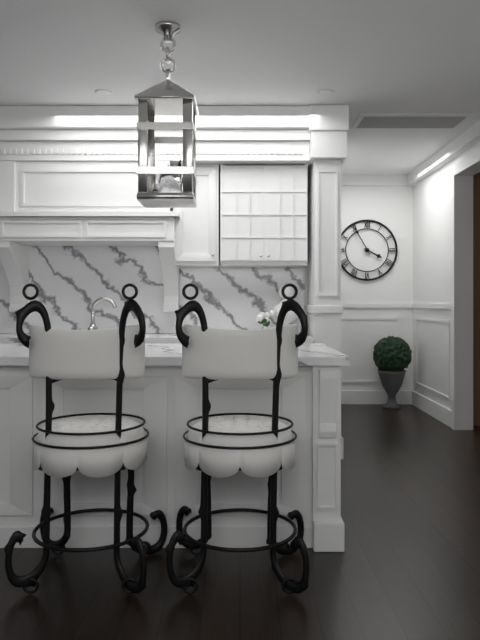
3:55
